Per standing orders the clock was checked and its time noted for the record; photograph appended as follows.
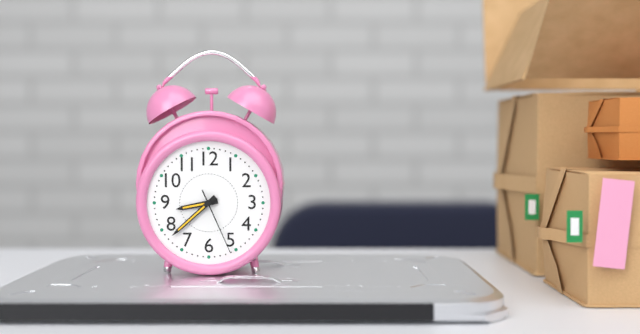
8:38:26
